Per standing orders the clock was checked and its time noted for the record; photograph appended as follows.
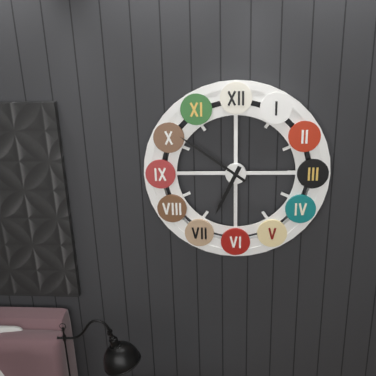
6:51
